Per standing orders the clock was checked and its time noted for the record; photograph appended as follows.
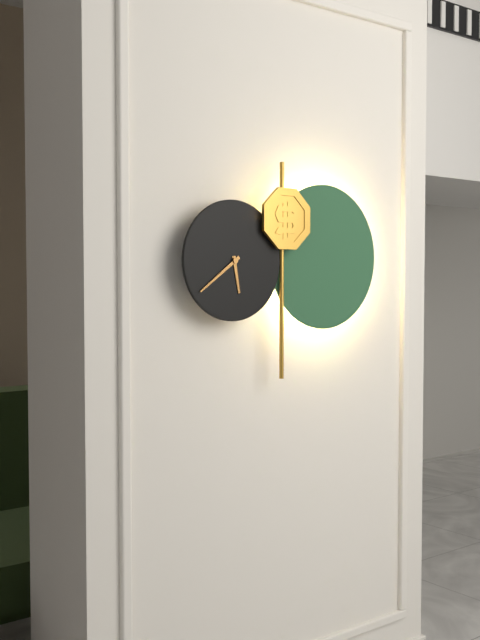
5:39
